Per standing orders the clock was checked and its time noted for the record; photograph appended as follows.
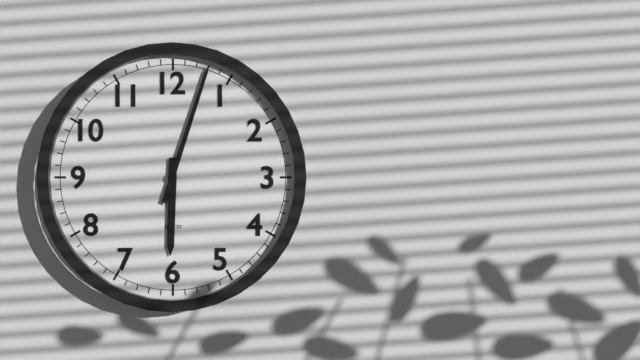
6:03
